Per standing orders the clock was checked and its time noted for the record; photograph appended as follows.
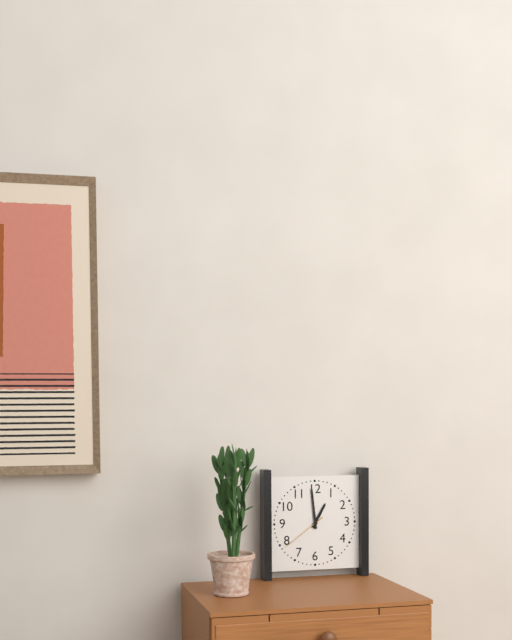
12:59
